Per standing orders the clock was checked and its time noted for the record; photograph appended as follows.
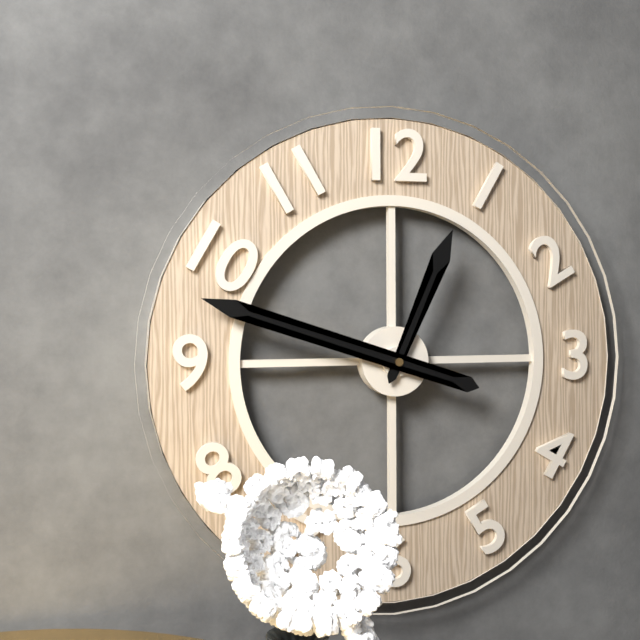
12:48
